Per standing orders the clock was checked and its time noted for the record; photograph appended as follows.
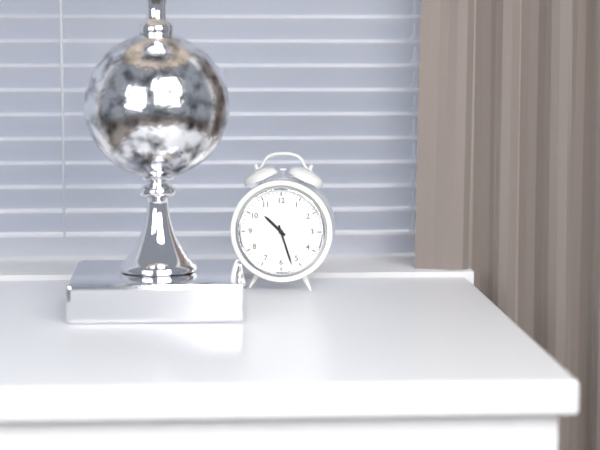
10:27
